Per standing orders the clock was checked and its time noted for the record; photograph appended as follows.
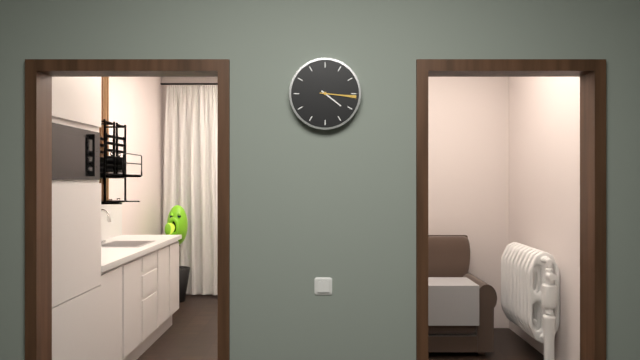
4:16
